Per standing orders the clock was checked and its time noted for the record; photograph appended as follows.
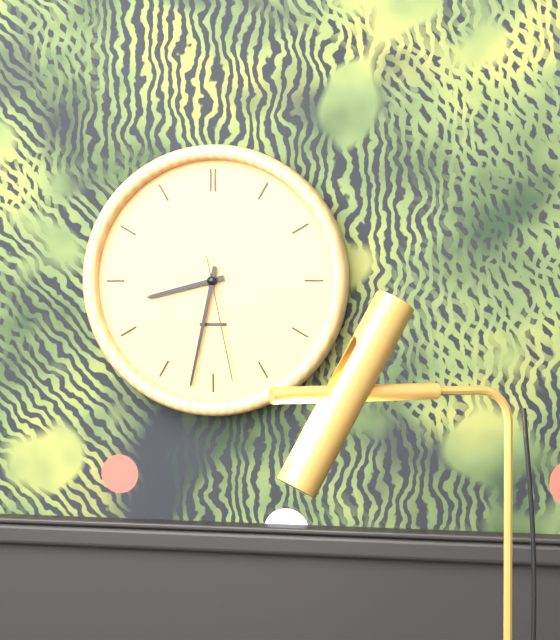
8:32:28
